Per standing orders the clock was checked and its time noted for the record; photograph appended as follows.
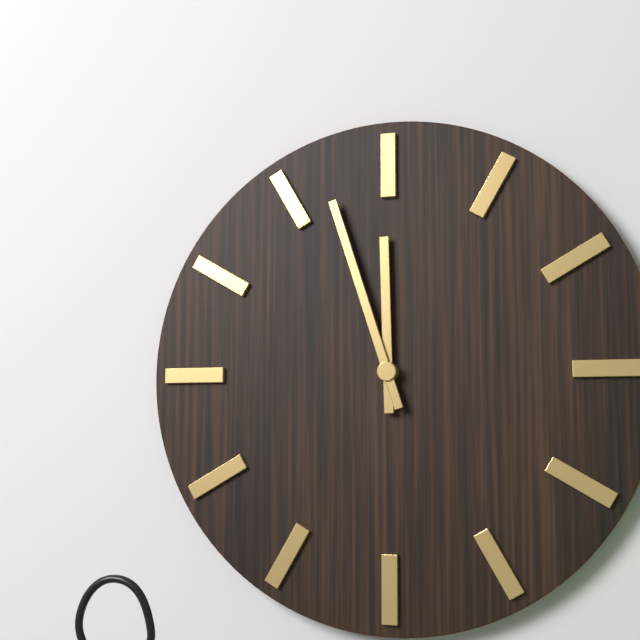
11:57
